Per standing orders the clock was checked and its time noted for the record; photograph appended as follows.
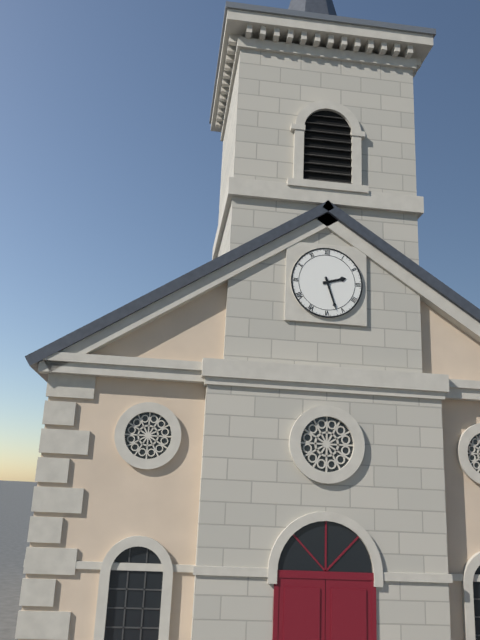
2:27
